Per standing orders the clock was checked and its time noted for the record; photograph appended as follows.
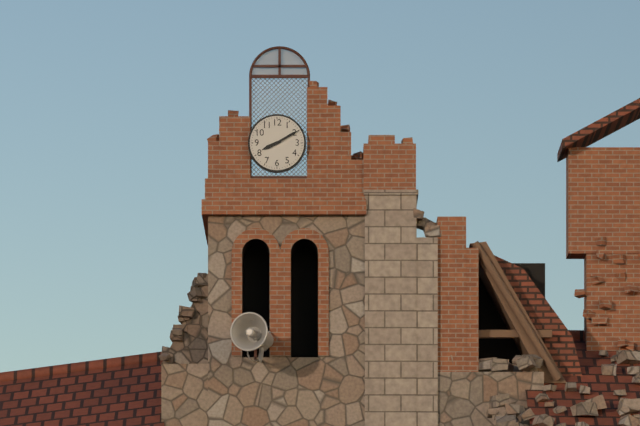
8:10
